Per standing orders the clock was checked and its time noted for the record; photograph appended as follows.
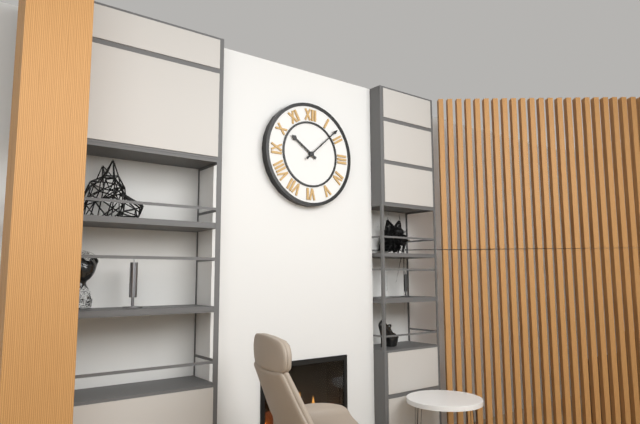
10:08
